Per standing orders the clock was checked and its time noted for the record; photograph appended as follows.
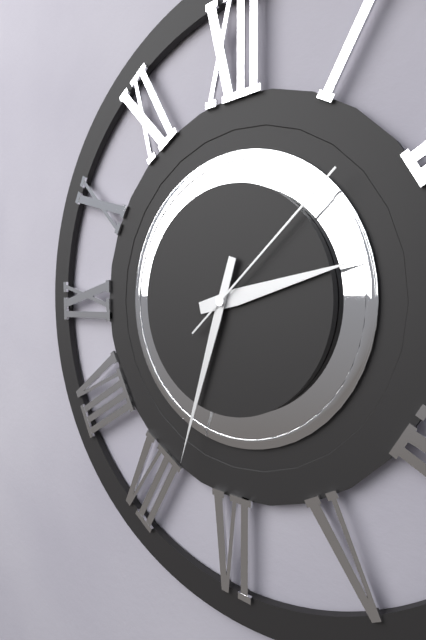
2:33:08
